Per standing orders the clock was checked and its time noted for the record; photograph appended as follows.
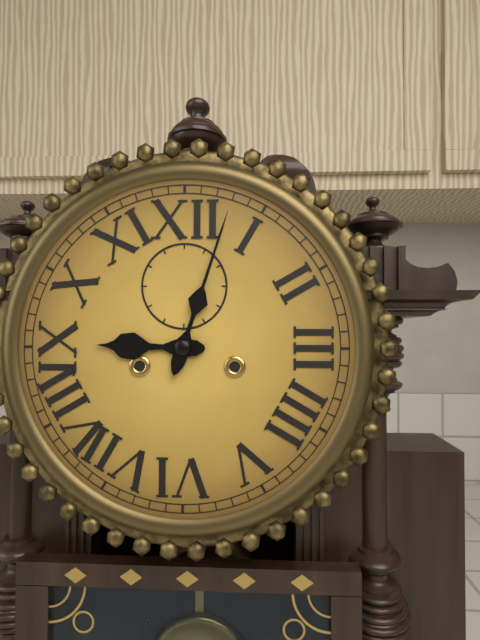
9:03
